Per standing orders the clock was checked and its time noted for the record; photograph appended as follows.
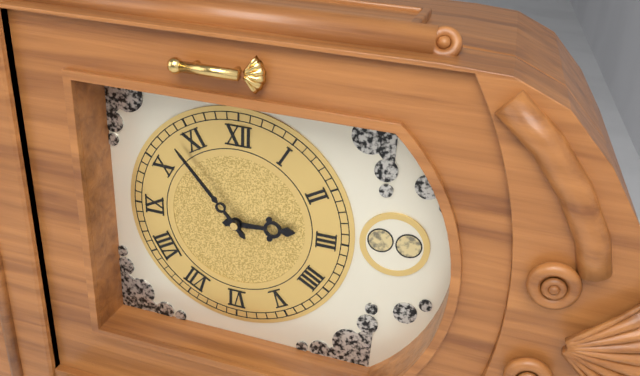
2:53
